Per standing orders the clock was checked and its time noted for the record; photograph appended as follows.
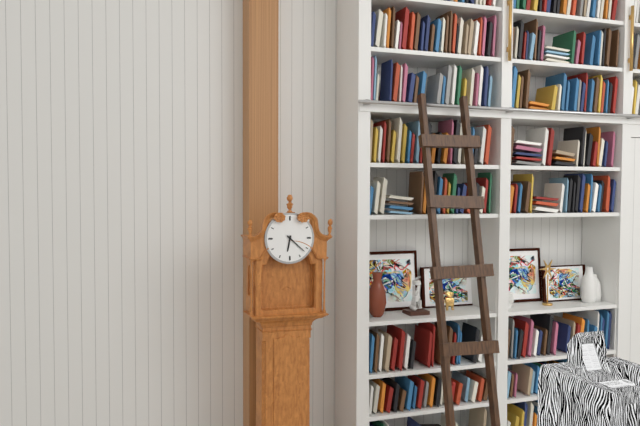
6:22
